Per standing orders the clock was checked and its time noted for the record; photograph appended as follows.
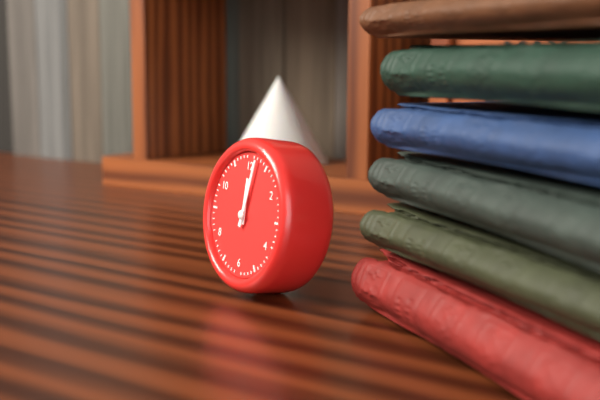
12:02
